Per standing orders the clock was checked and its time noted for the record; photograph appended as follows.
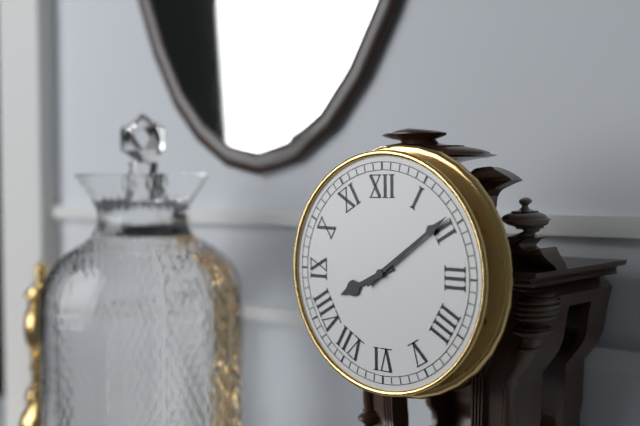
8:09
